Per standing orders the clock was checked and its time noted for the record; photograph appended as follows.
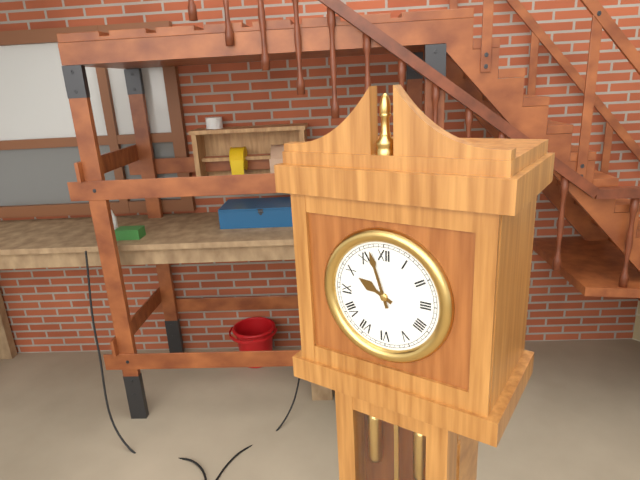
9:57
